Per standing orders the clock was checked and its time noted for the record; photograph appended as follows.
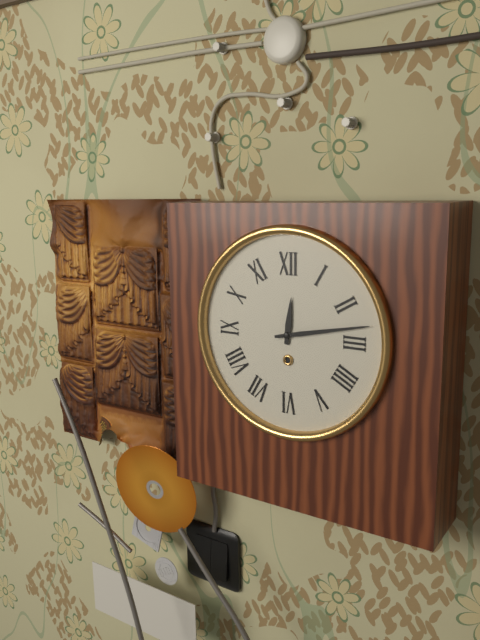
12:13
